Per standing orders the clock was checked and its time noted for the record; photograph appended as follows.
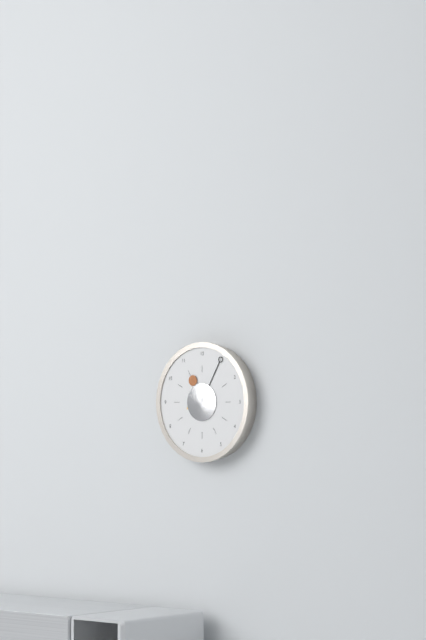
11:05
